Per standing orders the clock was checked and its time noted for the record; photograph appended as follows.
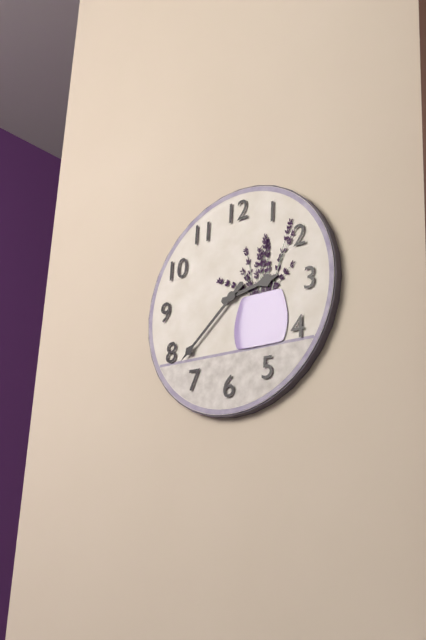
2:38
